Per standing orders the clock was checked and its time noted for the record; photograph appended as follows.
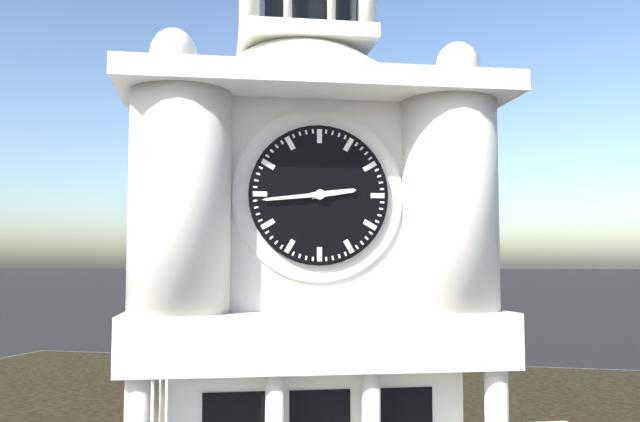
2:44
